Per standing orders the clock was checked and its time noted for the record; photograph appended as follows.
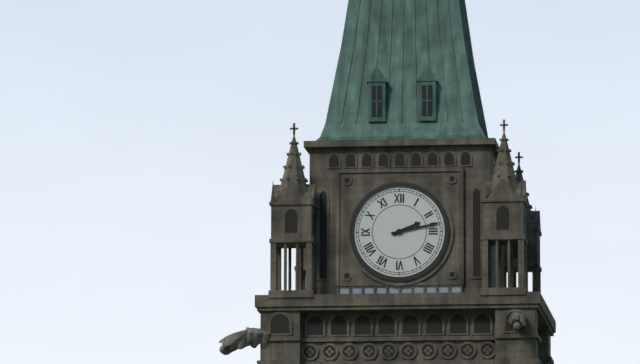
2:13
